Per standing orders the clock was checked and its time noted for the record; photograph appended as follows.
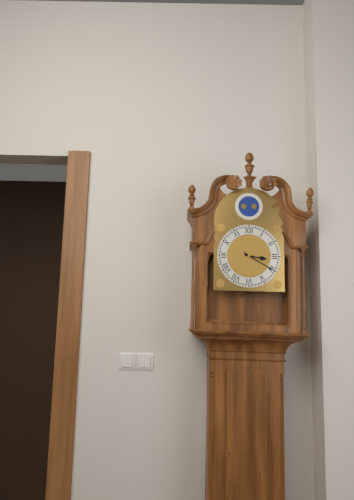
3:20
